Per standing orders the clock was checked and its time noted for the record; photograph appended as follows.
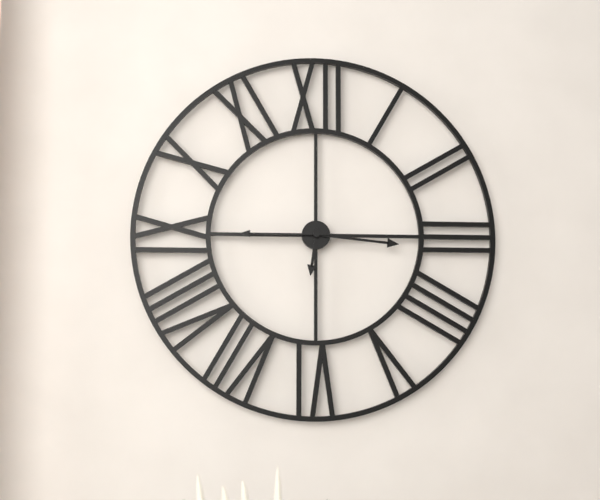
6:16:45
